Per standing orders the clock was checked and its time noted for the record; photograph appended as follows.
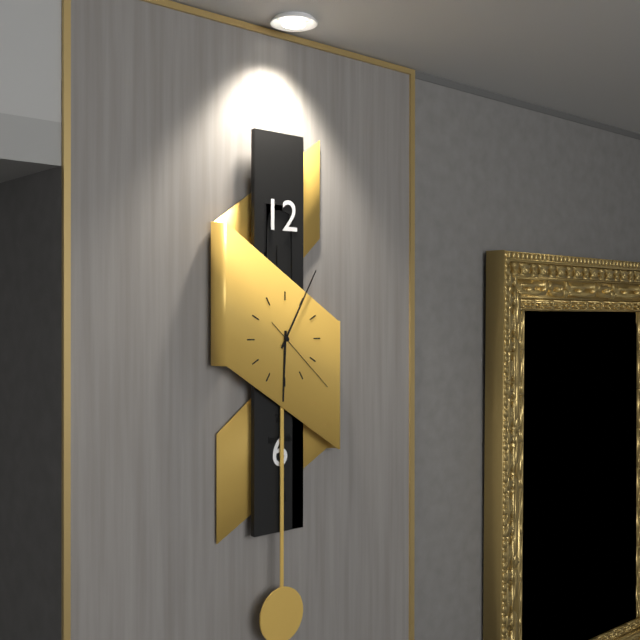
6:05:22
